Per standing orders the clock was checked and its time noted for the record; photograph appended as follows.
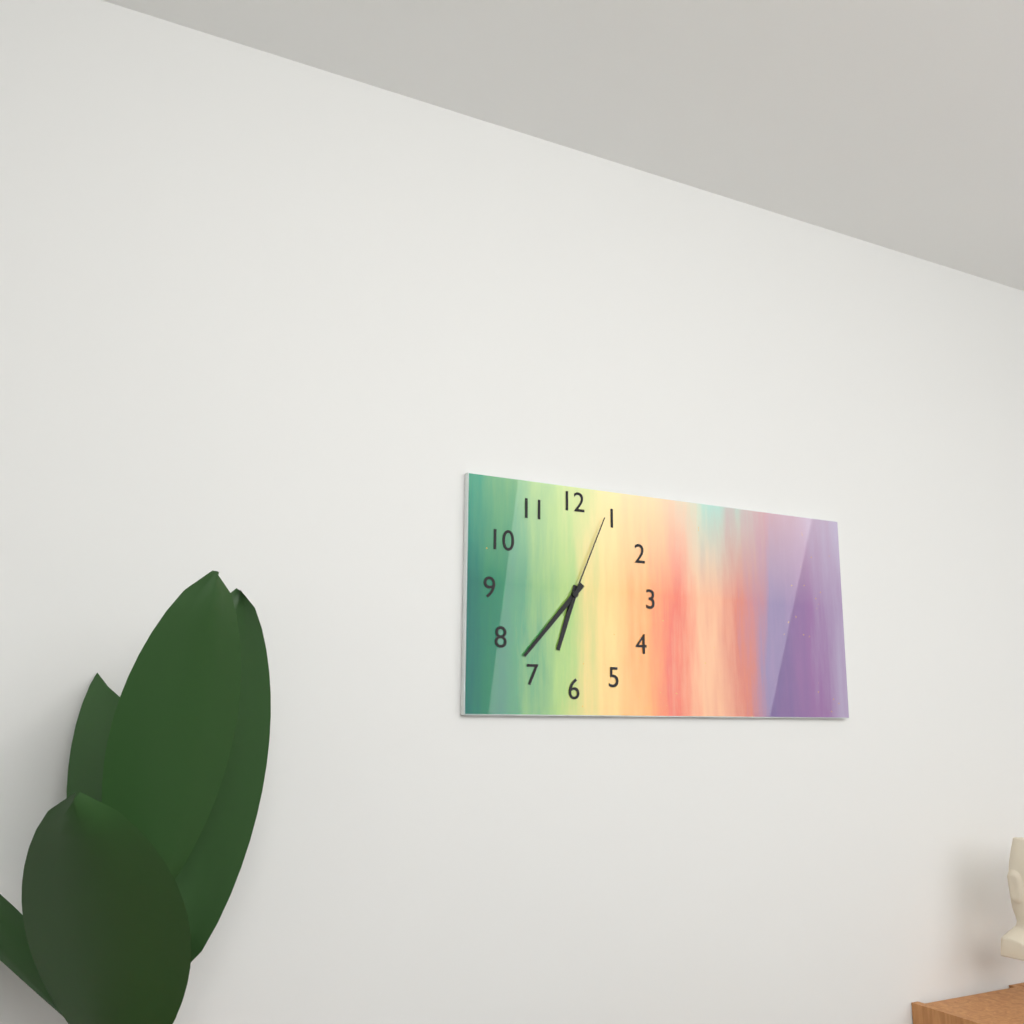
6:37:04
